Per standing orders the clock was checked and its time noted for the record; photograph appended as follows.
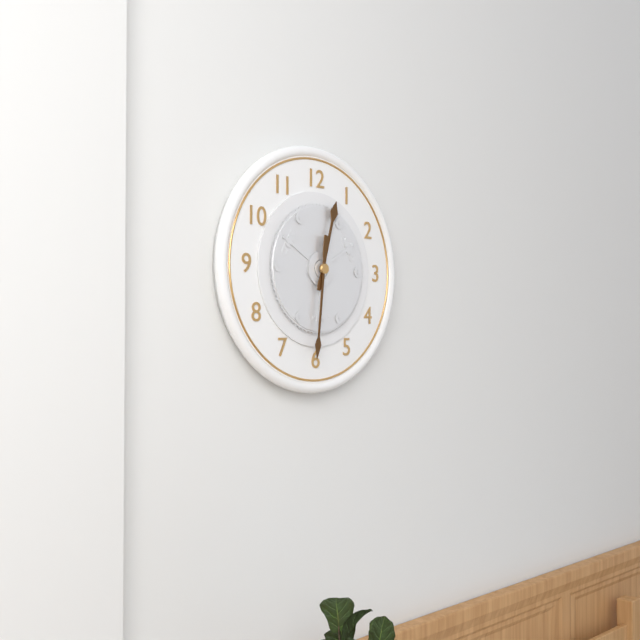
12:31
